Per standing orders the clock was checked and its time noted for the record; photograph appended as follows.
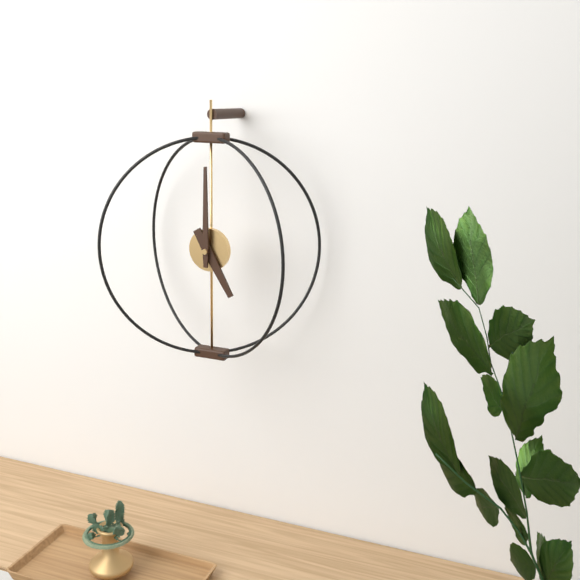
5:00
